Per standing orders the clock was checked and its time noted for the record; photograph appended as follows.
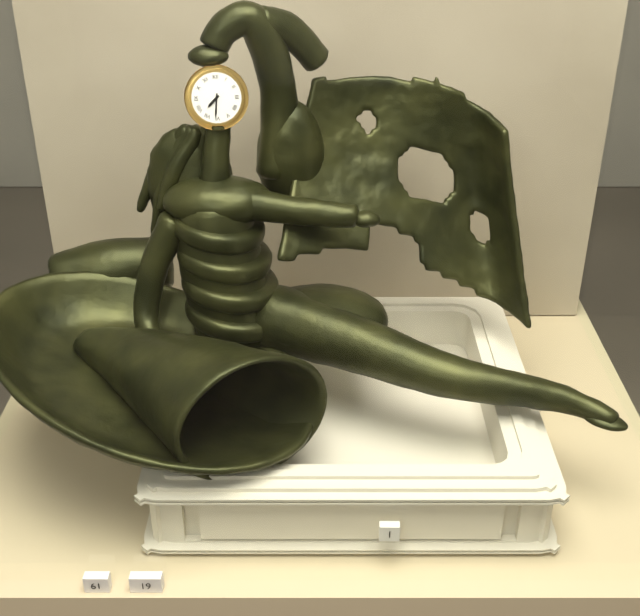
7:31
